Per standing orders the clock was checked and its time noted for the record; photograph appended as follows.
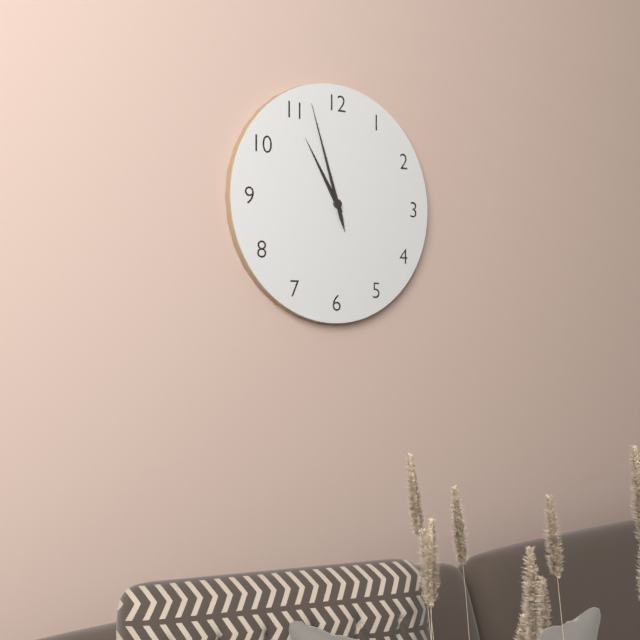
10:57
